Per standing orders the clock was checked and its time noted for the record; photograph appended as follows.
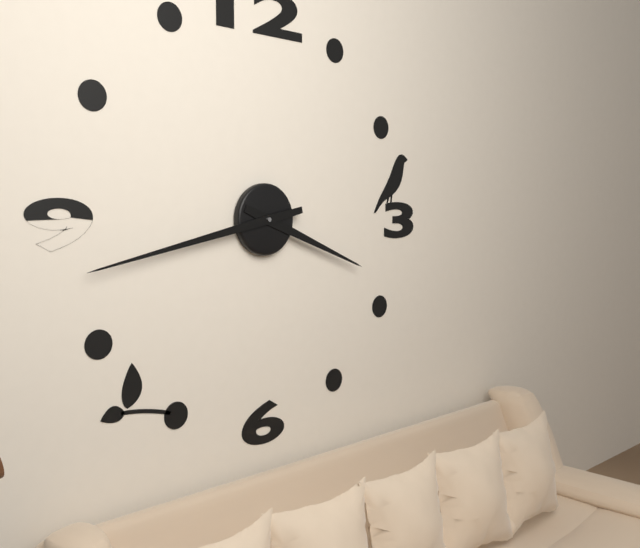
3:43
